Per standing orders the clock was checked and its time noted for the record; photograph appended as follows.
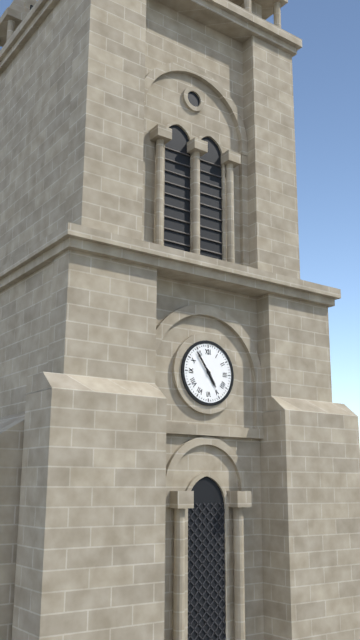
4:54
